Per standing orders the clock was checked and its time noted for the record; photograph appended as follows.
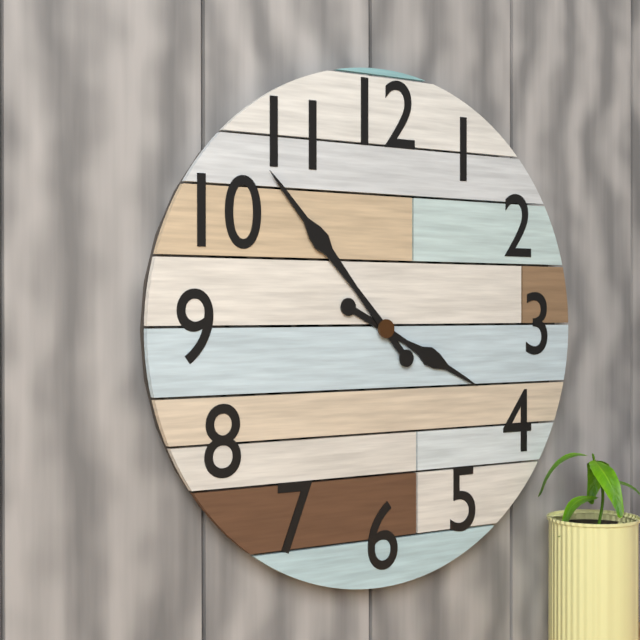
3:53
